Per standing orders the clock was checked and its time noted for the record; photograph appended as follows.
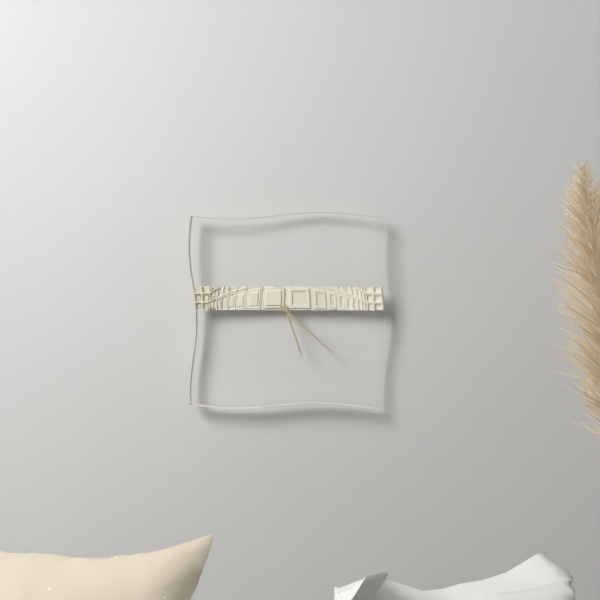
5:22
